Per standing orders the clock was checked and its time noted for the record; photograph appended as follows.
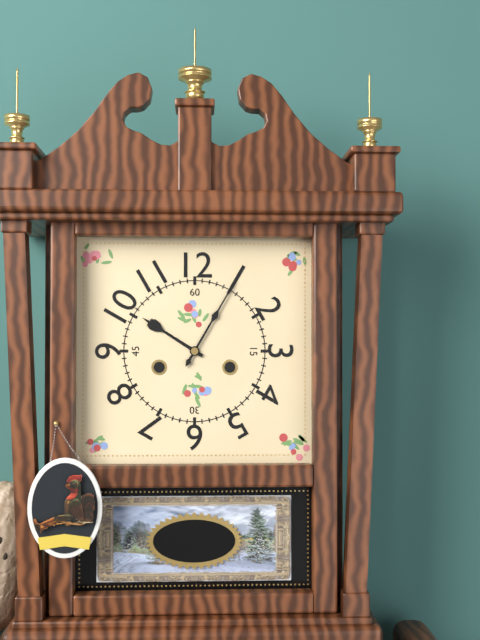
10:05
